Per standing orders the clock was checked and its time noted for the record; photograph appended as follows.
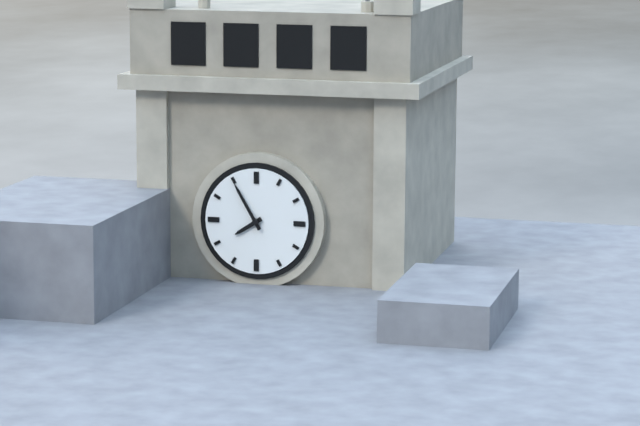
7:55
